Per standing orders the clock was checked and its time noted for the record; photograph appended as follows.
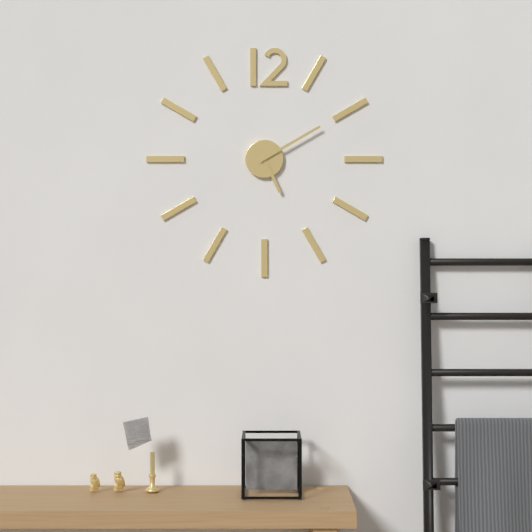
5:10
